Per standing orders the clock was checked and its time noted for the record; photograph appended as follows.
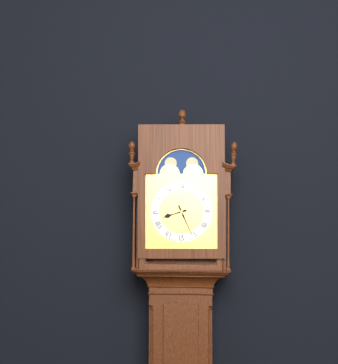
8:26
